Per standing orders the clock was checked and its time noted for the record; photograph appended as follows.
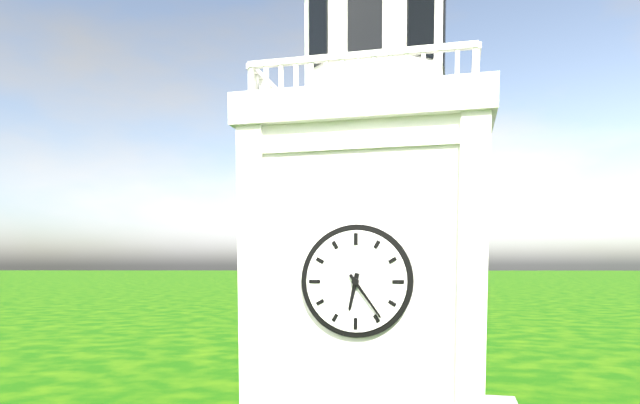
6:24
